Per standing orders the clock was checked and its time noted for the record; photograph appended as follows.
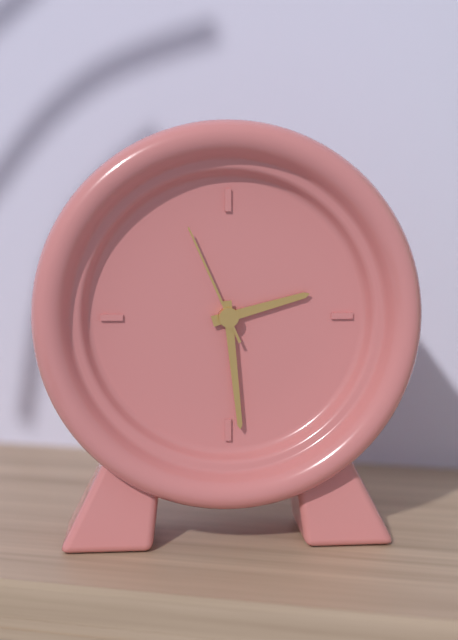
2:29:56
